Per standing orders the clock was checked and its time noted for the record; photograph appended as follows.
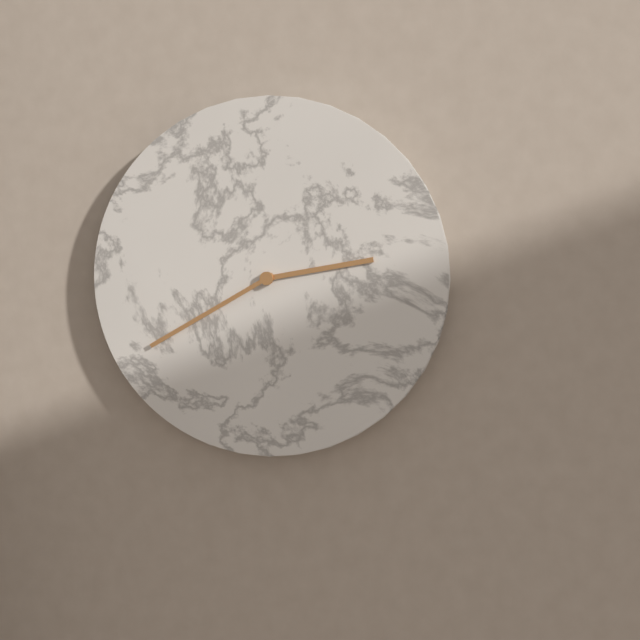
2:40
